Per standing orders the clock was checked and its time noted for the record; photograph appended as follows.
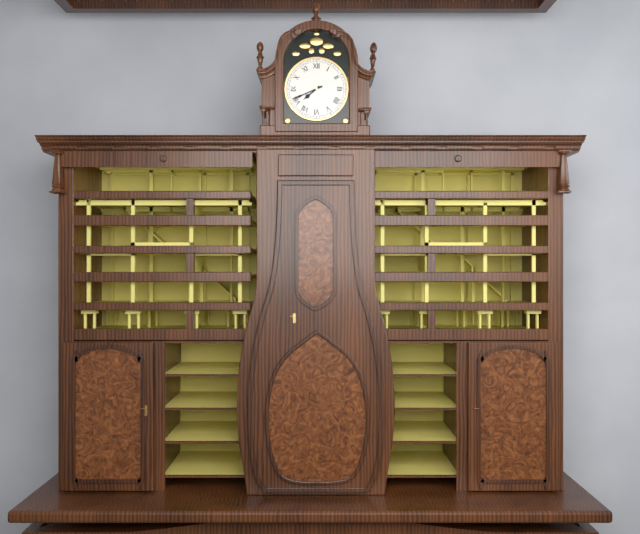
7:41
